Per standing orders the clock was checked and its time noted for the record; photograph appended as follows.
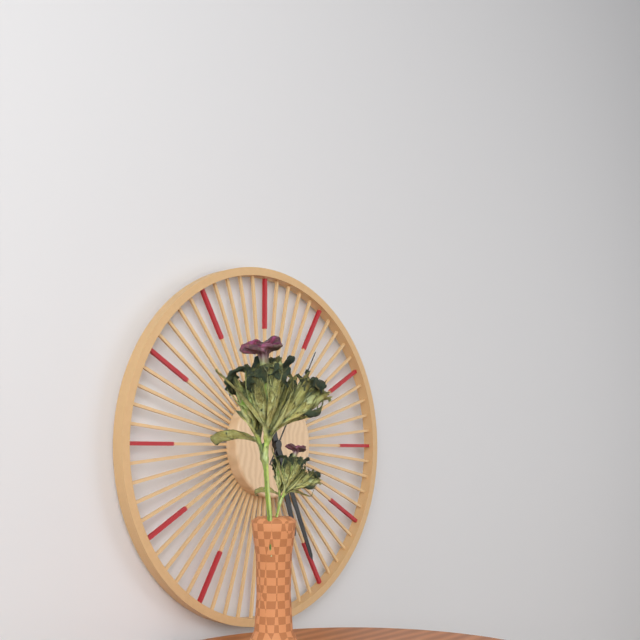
5:26:05
